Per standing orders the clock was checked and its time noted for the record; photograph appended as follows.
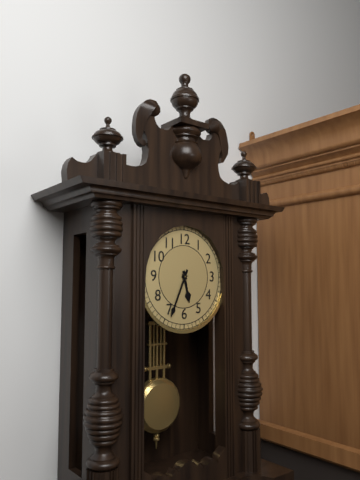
5:34
